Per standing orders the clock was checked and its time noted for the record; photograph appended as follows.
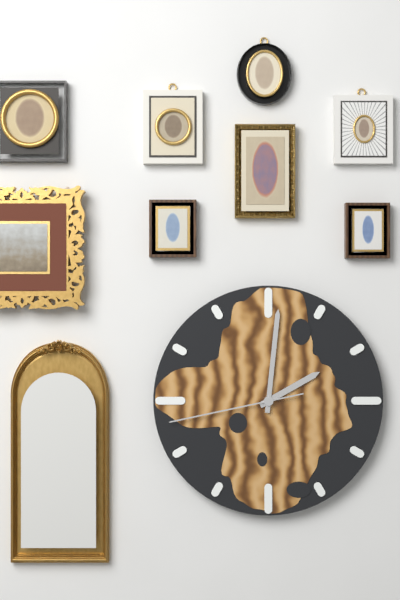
2:01:43
